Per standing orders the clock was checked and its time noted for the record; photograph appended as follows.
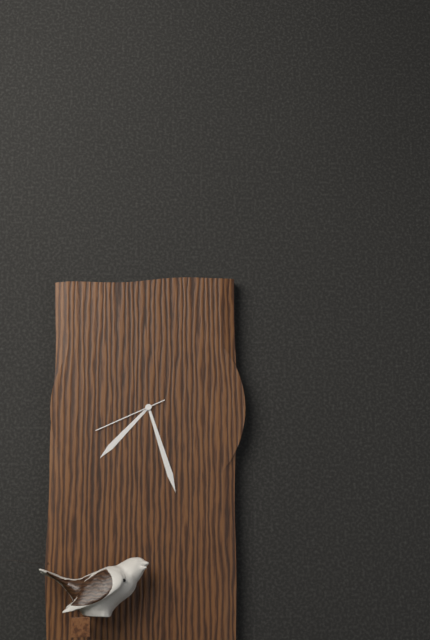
7:27:41
